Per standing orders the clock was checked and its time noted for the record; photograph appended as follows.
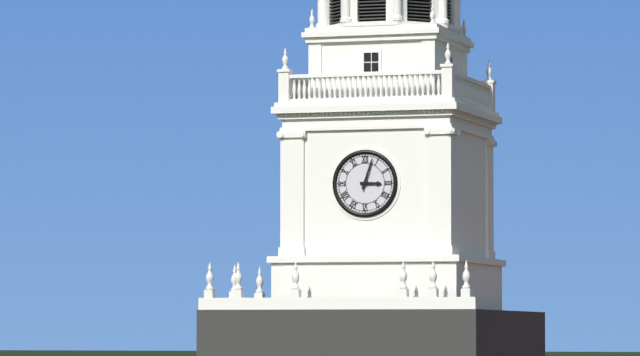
3:03
